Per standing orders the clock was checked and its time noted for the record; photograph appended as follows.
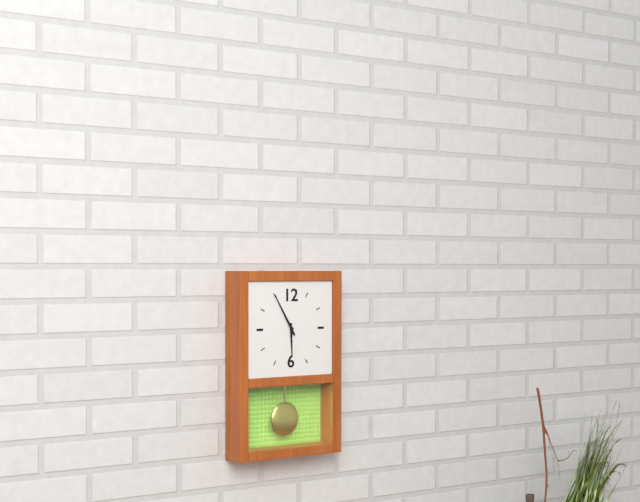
5:55
